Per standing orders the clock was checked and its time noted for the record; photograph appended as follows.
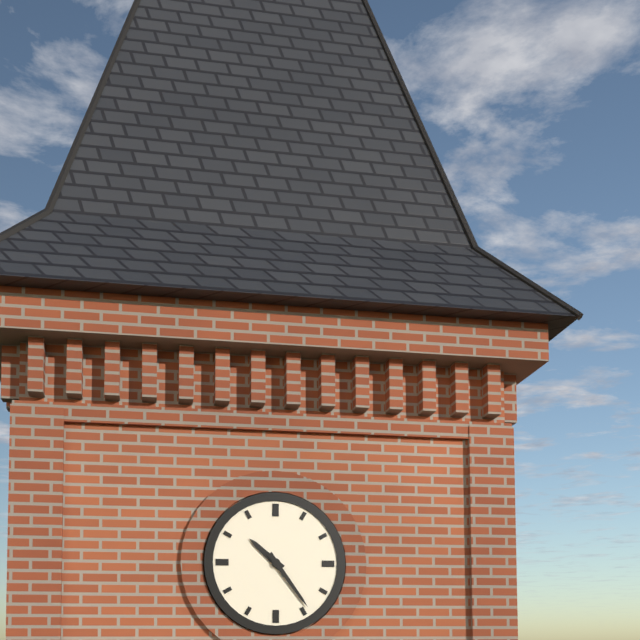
10:24
